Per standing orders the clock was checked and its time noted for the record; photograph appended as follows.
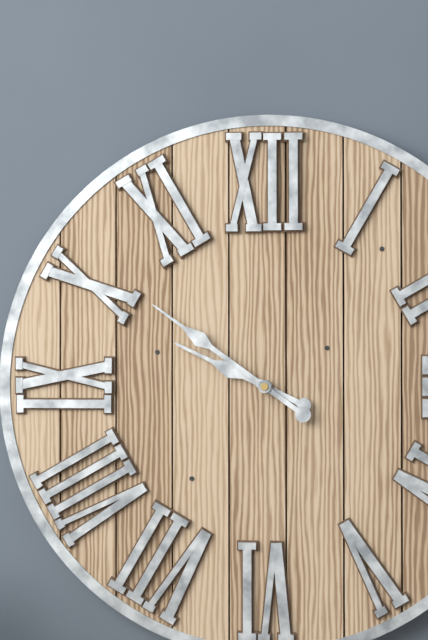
9:51
